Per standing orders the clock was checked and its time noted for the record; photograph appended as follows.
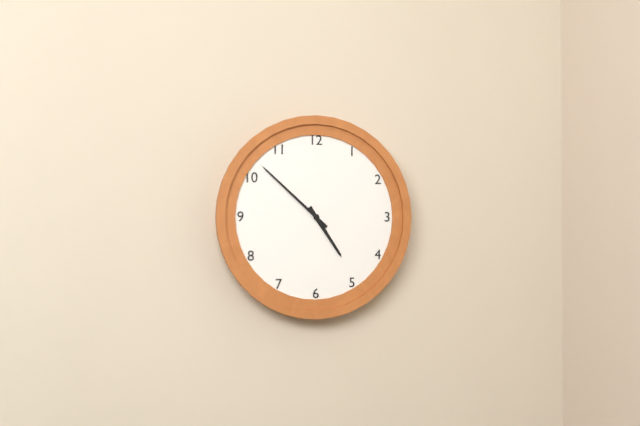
4:52
